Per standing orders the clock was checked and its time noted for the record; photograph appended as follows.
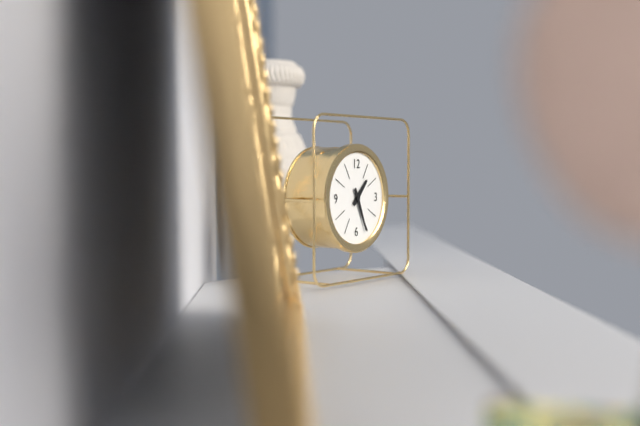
1:26
